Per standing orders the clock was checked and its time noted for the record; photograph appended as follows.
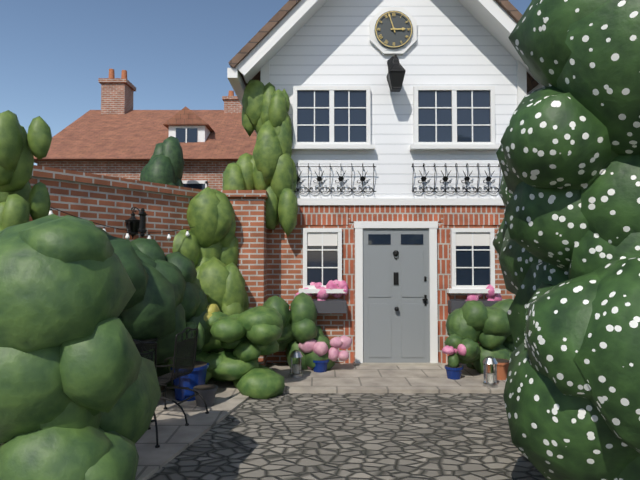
2:57
